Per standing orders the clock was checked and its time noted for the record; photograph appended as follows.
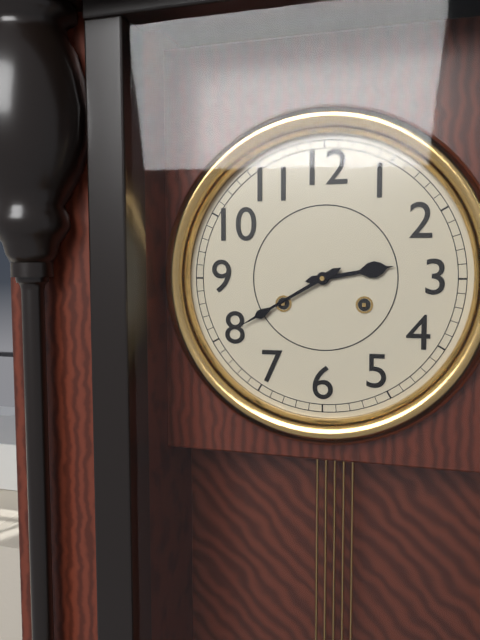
2:40
